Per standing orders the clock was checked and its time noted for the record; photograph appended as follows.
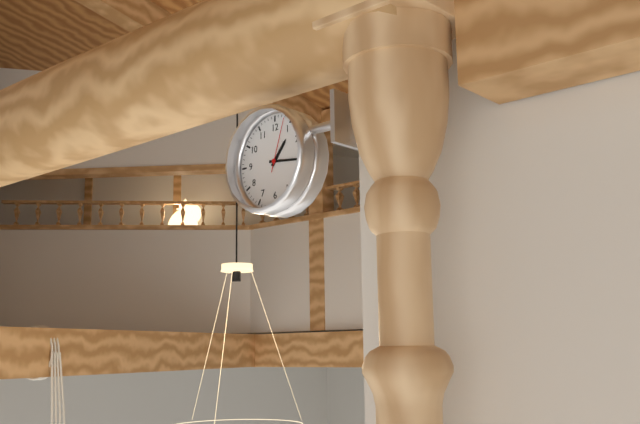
1:16:03
